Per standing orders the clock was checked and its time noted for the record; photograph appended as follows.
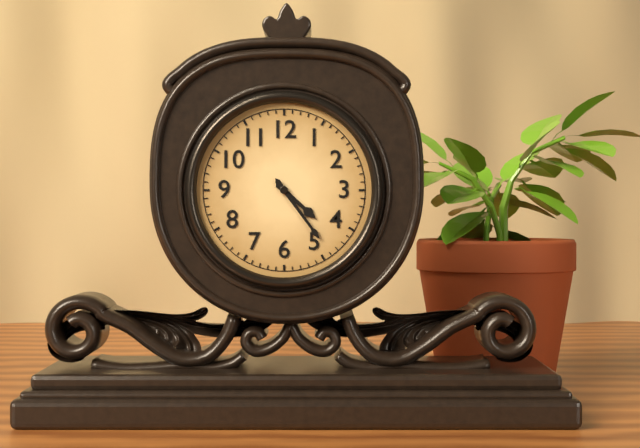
4:24
